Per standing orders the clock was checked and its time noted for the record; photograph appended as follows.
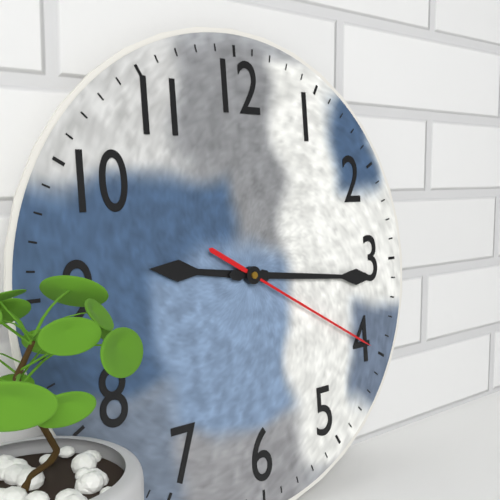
9:16:20
